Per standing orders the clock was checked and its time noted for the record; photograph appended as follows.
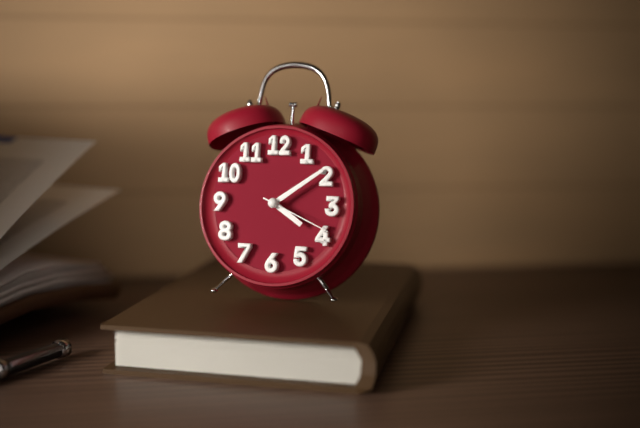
4:09:19
